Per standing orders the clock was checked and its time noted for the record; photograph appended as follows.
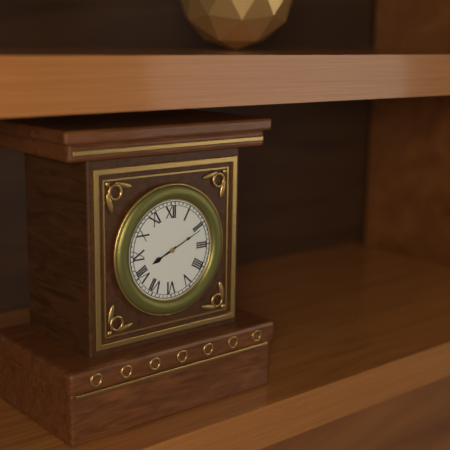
8:11
